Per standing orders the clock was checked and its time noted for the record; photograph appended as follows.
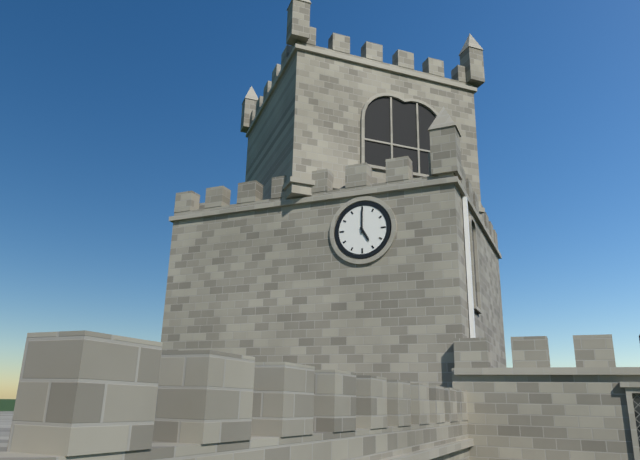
5:00
